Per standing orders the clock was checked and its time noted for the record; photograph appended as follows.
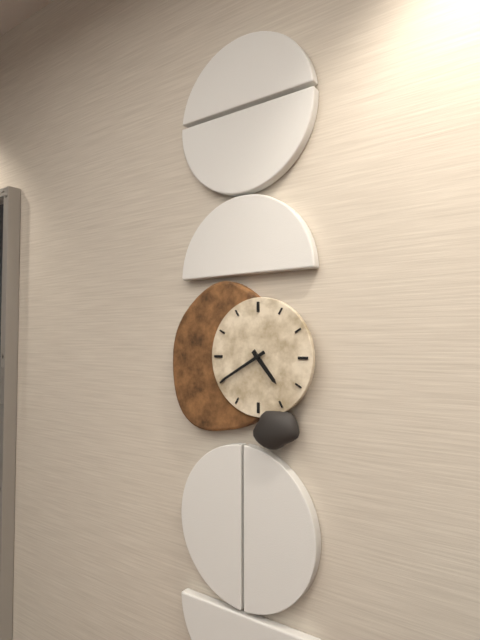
4:40
